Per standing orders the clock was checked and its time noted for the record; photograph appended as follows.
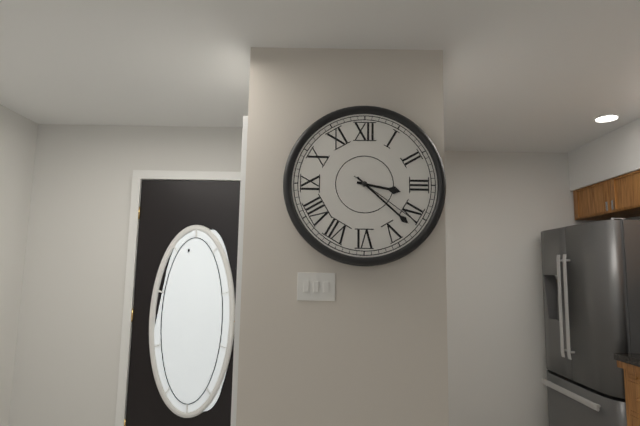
3:22:21
